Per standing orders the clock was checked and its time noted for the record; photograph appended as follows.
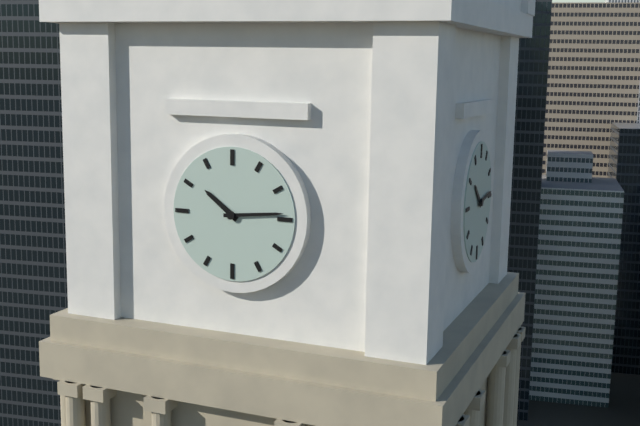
10:14
